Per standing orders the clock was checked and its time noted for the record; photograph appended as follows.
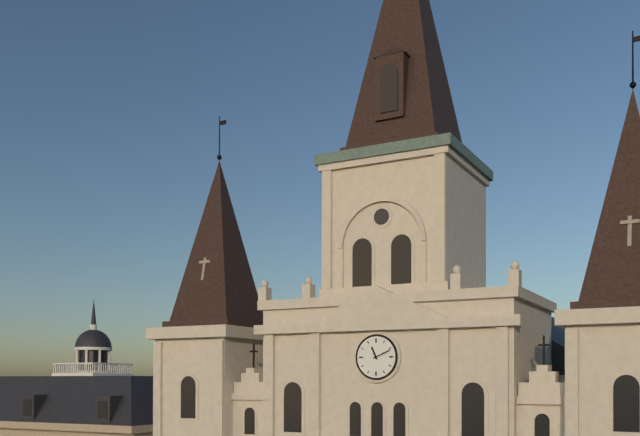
11:11
